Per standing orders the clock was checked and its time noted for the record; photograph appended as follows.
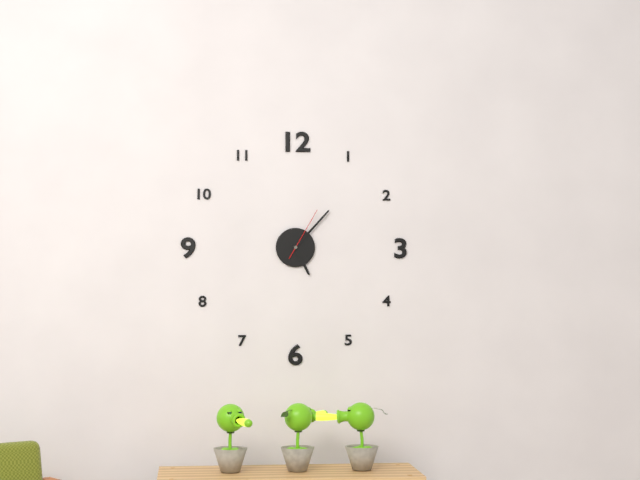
5:07:05
